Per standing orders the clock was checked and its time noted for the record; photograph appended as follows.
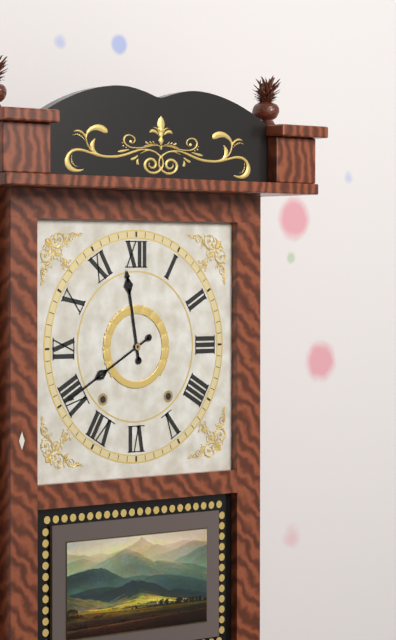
11:40
